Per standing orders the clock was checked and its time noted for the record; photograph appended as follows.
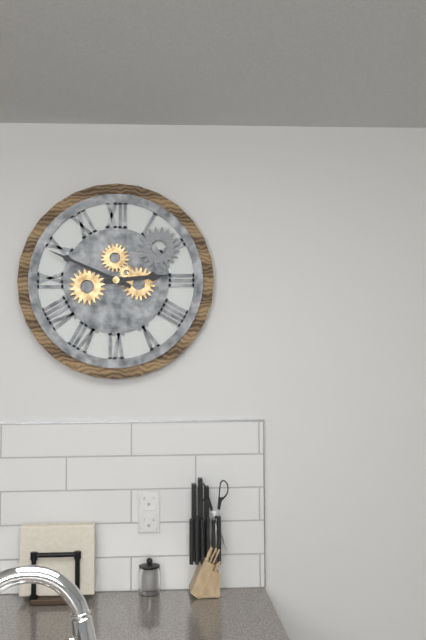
2:49
